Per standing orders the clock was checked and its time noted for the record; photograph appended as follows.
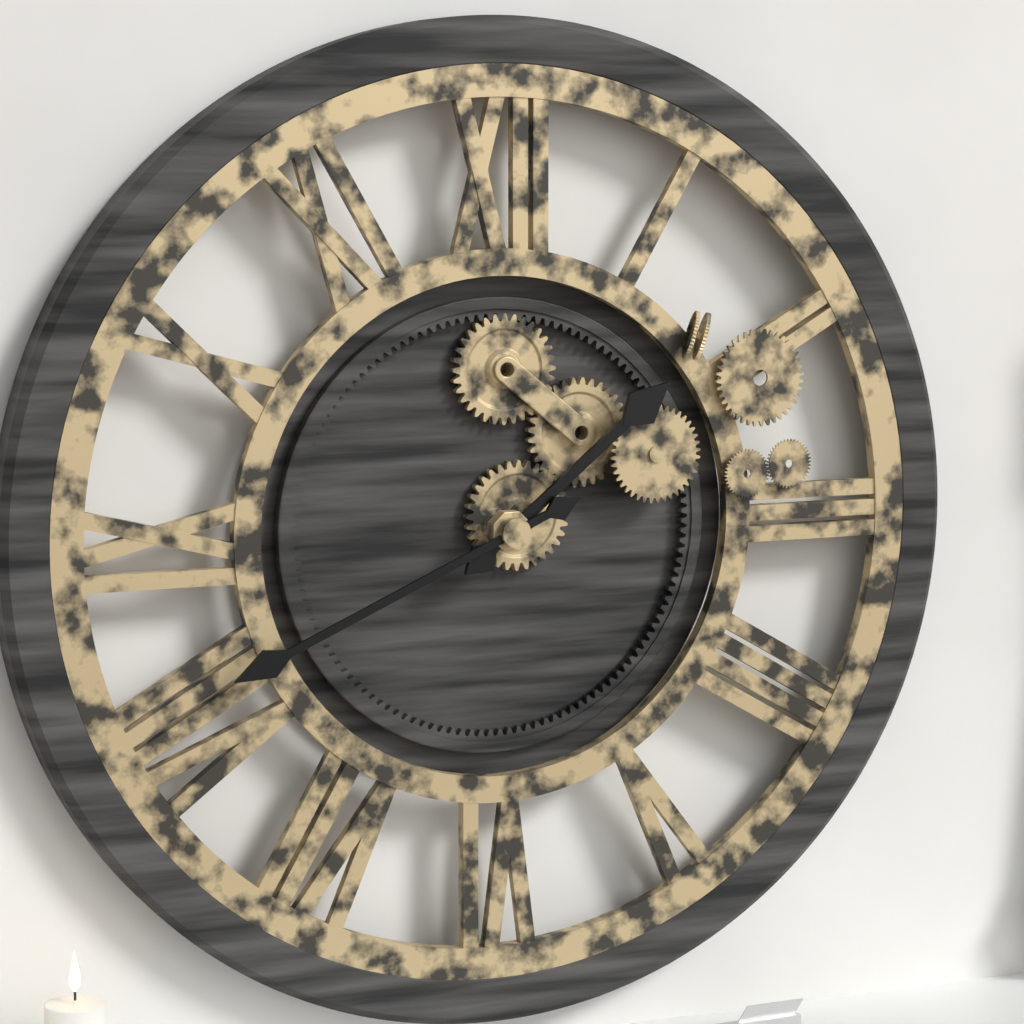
1:41
